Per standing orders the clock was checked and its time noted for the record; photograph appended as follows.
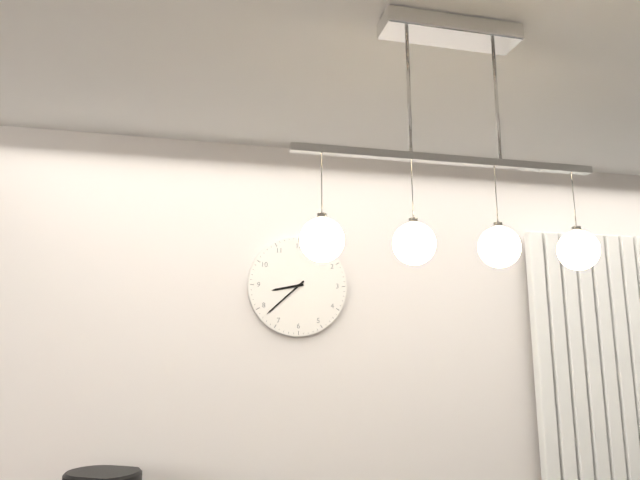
8:38
